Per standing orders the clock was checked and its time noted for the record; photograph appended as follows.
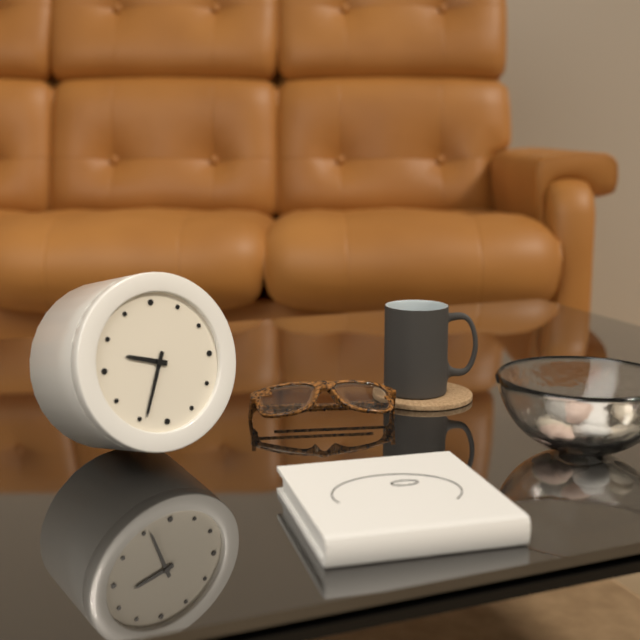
9:34
